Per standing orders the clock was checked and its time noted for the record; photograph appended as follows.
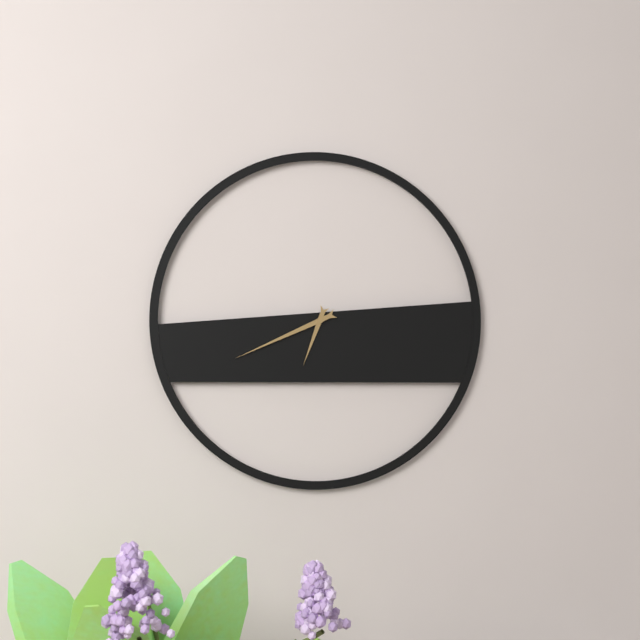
6:41
